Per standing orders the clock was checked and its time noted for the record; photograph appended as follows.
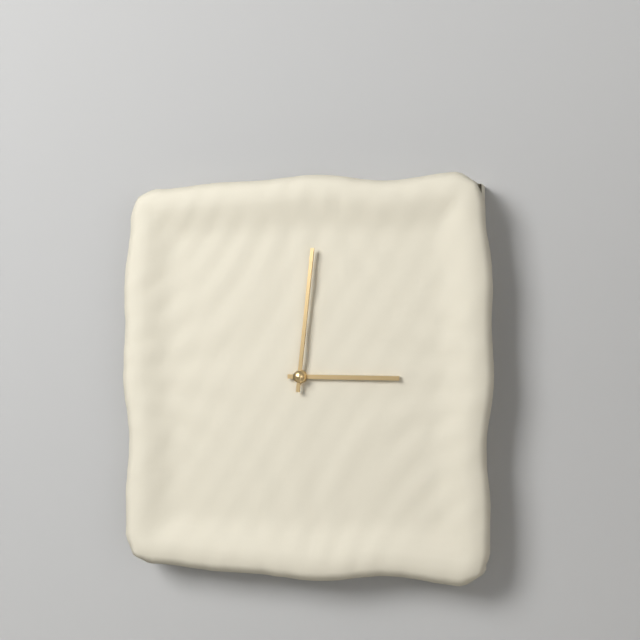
3:01
